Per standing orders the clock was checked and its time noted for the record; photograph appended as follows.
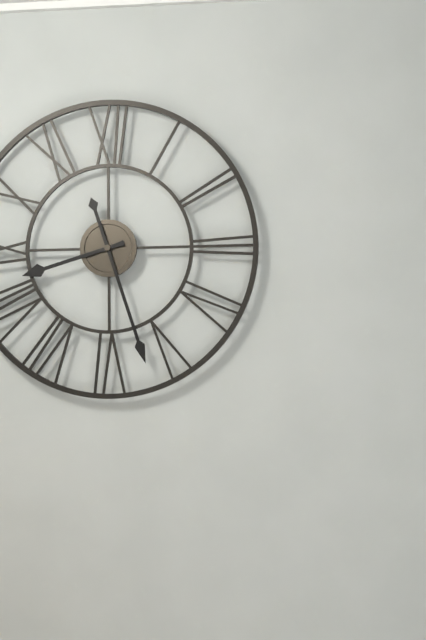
8:27
